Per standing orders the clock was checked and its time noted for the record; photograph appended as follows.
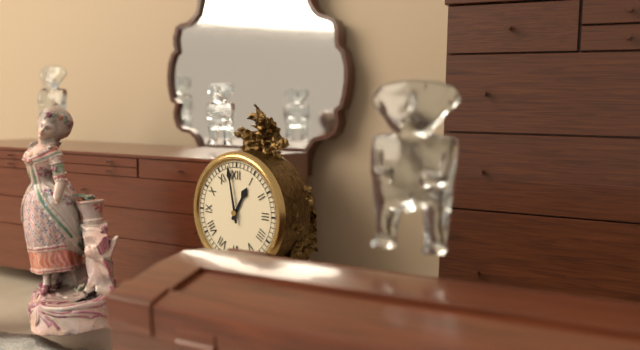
12:58
